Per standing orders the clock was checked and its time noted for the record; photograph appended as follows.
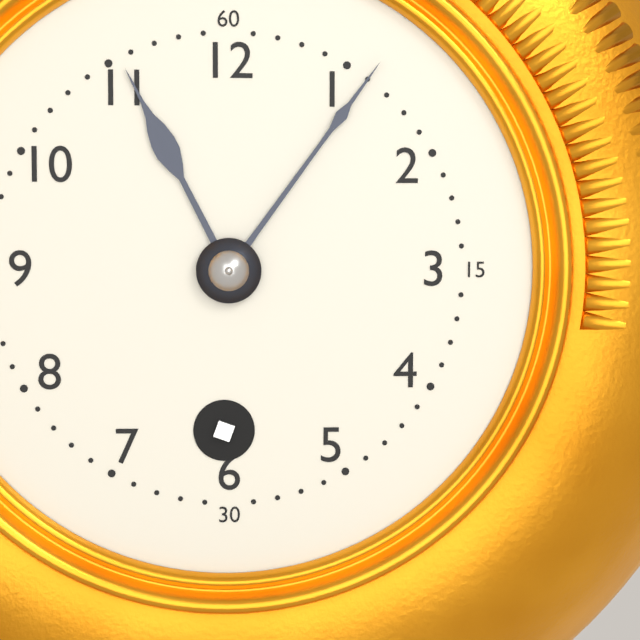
11:06
